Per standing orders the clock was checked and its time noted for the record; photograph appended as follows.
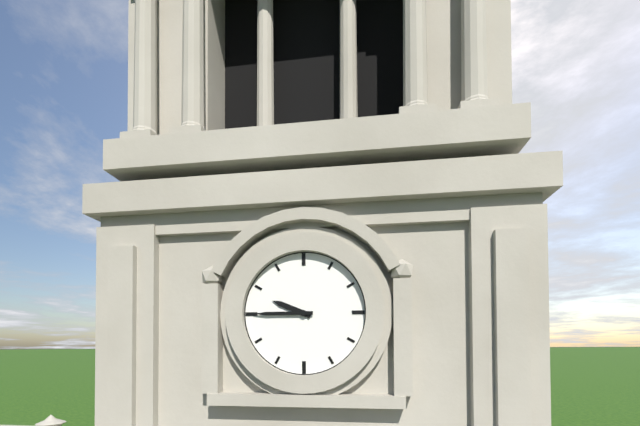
9:45
